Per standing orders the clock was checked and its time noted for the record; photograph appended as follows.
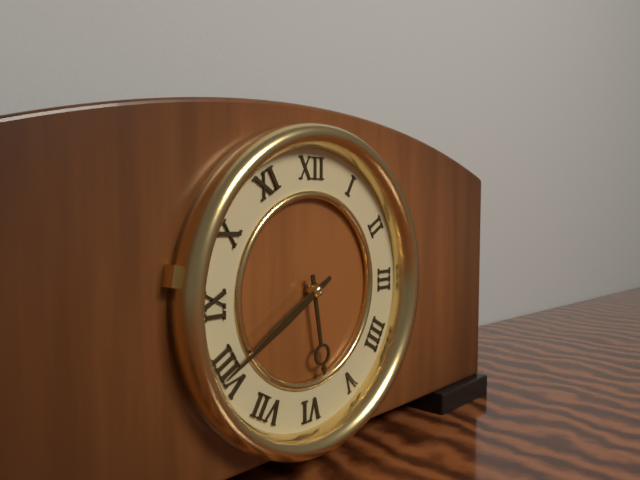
5:40
